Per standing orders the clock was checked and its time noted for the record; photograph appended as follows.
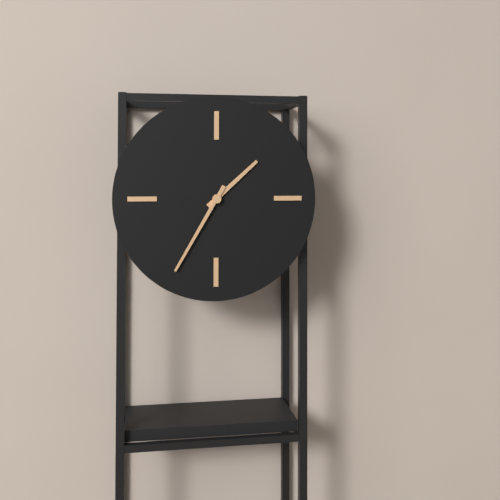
1:35
